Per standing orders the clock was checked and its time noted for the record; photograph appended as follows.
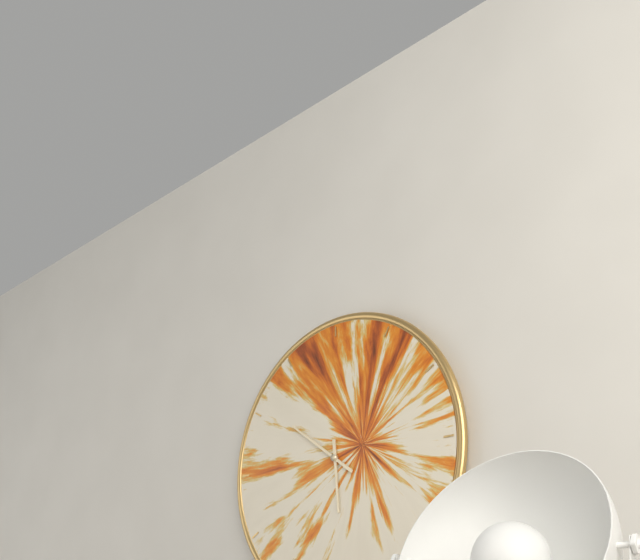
5:51
